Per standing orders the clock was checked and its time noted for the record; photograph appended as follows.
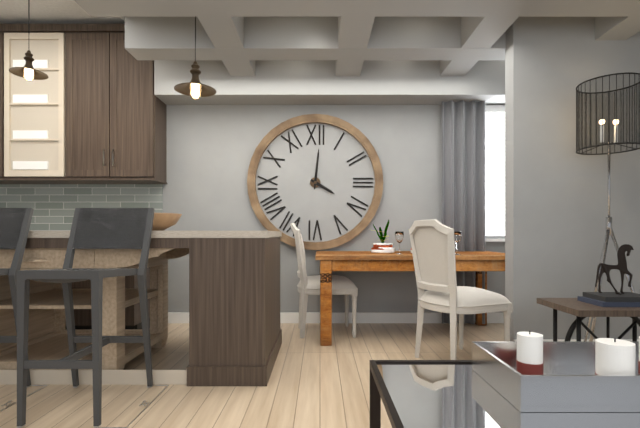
4:01
